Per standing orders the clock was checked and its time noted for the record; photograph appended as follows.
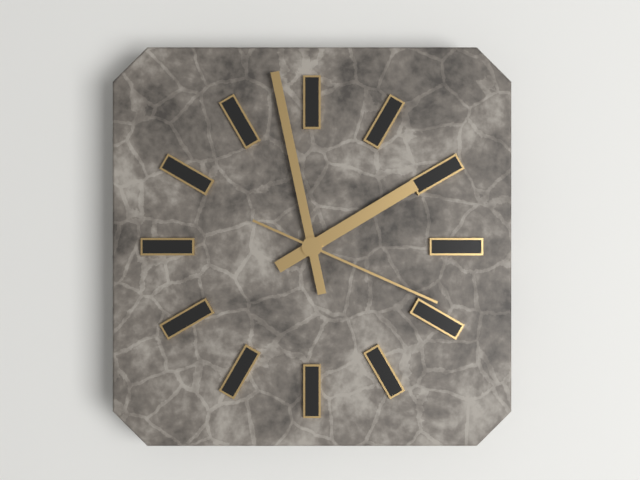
1:58:19
